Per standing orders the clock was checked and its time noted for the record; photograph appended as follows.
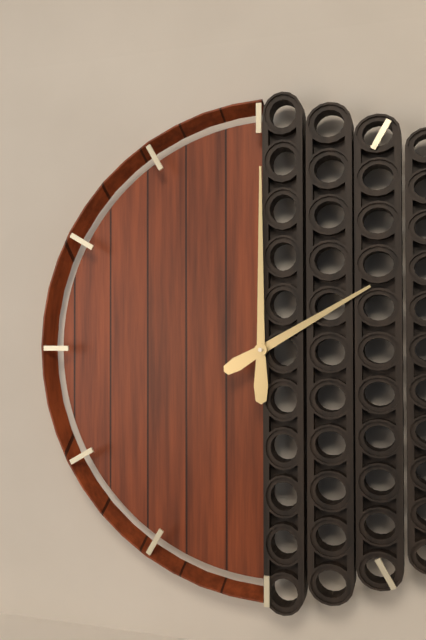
2:00
